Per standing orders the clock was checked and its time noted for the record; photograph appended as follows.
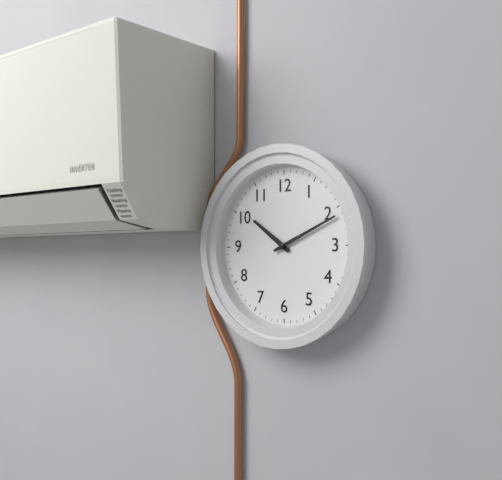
10:11
